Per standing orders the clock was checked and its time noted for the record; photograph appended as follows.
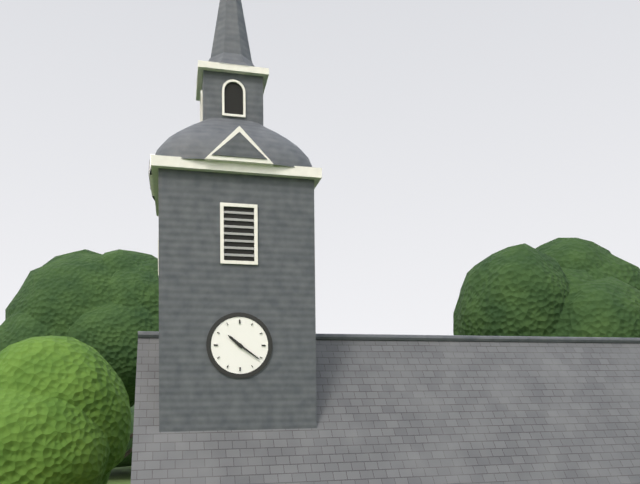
10:21
